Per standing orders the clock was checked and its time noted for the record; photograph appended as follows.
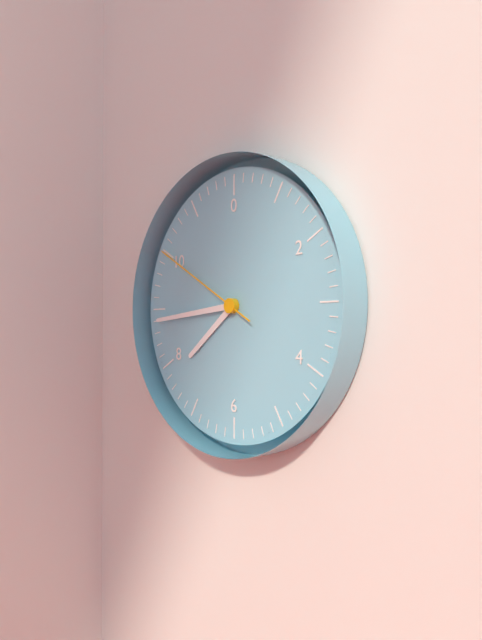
7:44:50
